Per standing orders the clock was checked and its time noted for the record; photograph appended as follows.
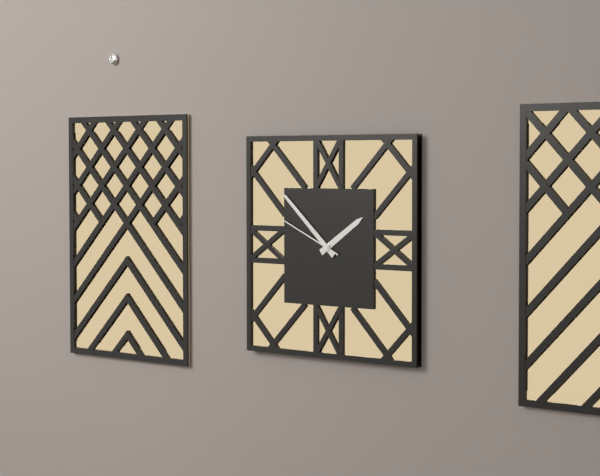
1:52:49
